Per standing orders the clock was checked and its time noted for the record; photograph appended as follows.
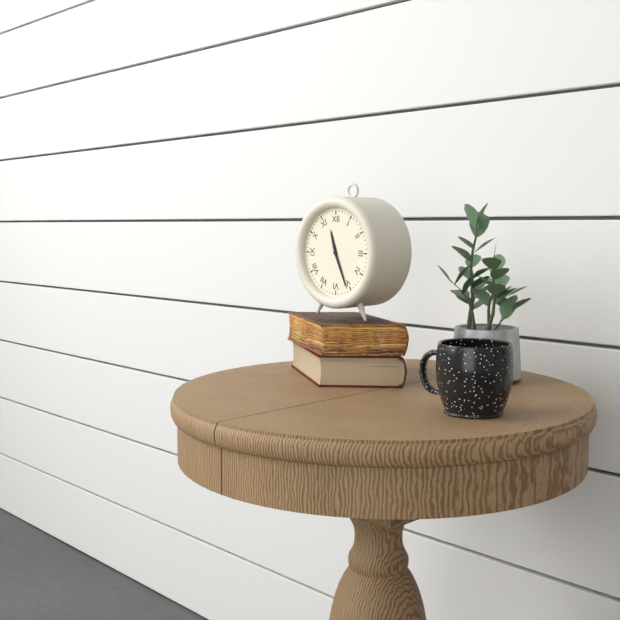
11:26
